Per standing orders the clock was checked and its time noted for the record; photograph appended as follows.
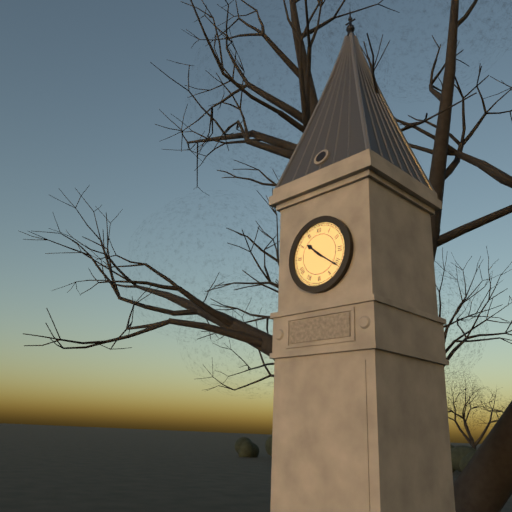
10:21
